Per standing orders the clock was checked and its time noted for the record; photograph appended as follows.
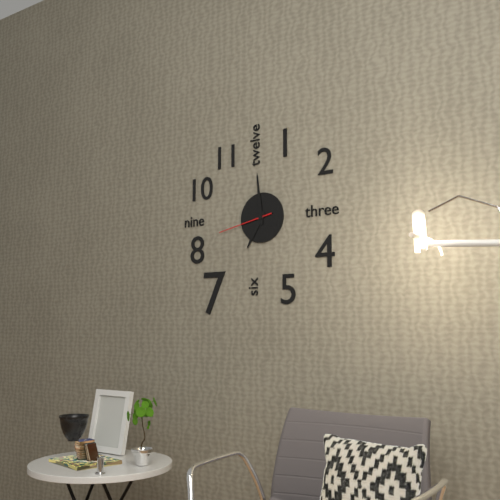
6:59:43
